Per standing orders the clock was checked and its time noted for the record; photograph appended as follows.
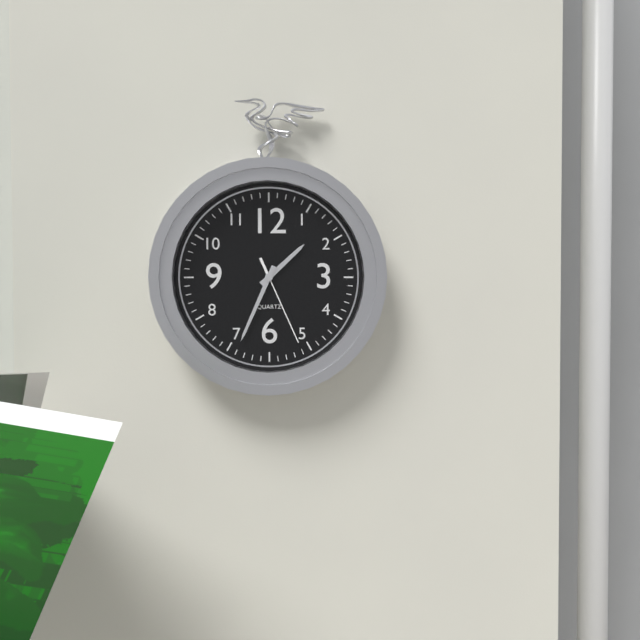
1:34:26
